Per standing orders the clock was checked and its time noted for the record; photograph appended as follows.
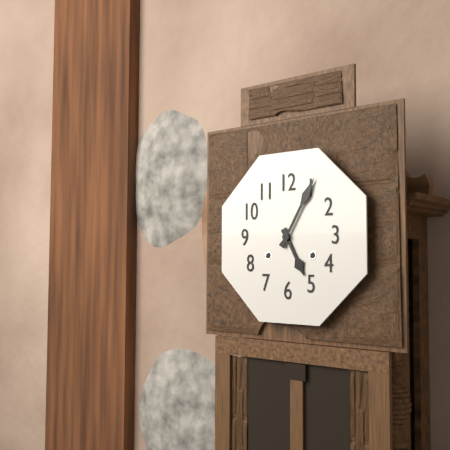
5:05
